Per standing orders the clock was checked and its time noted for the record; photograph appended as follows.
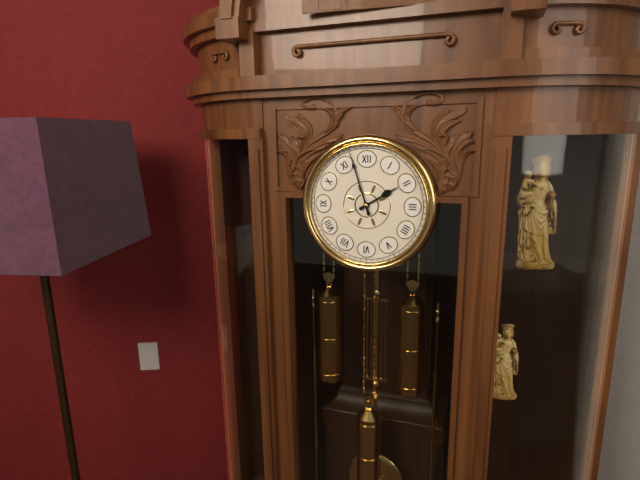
1:57
